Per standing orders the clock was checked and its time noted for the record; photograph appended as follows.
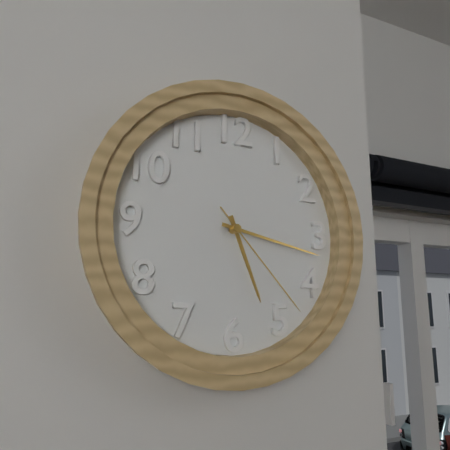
5:17:23
